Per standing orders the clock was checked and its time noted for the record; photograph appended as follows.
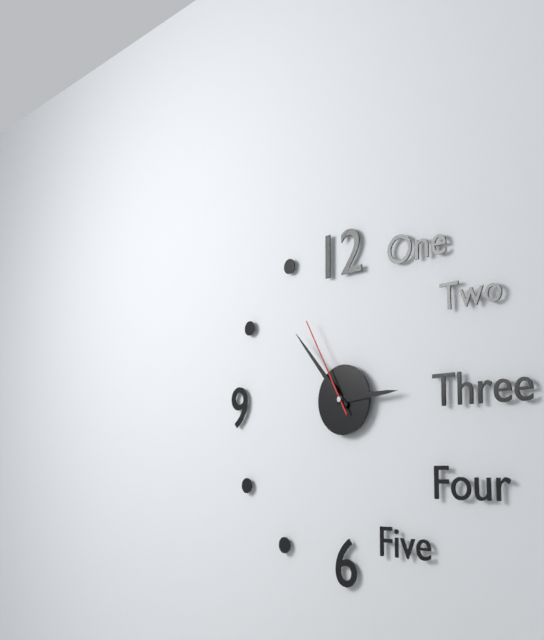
2:53:55
